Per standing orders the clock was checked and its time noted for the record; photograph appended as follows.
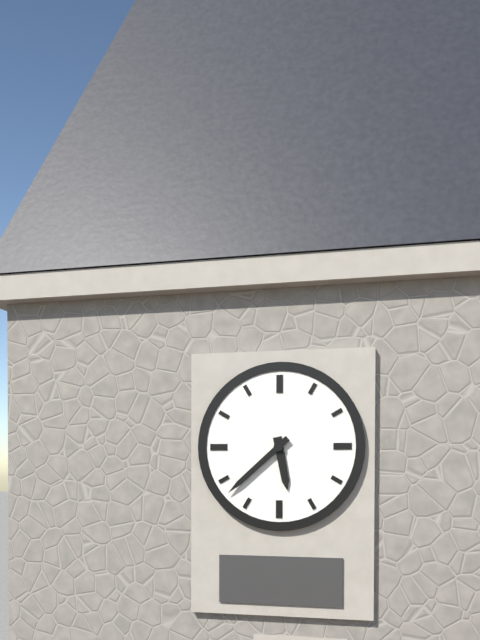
5:38
